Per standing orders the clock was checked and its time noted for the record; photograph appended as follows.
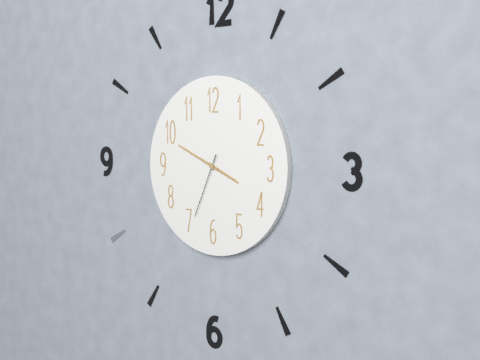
3:49:34
